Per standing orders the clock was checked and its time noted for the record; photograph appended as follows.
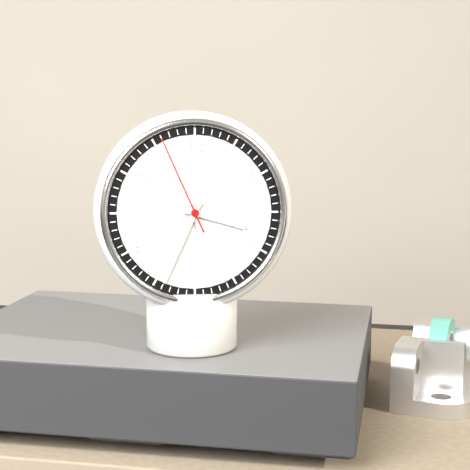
3:34:56
